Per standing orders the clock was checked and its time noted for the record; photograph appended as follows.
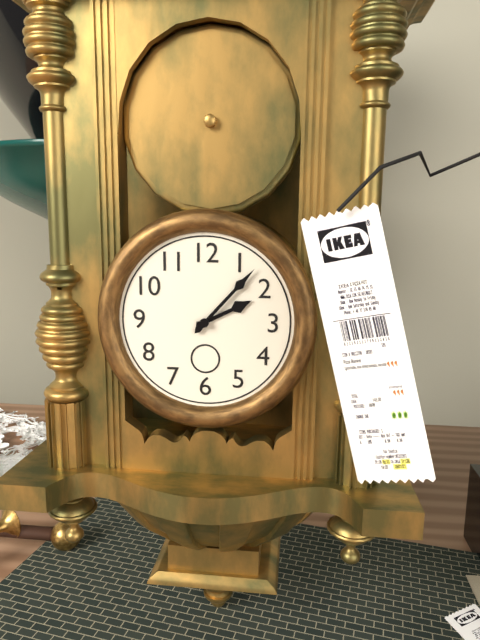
2:07
